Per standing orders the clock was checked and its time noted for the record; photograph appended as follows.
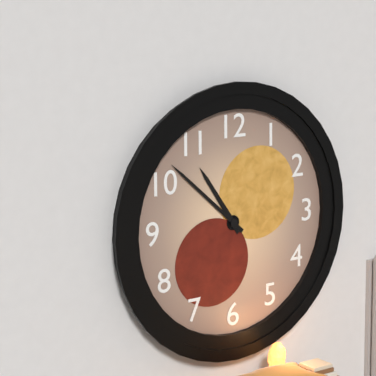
10:52
